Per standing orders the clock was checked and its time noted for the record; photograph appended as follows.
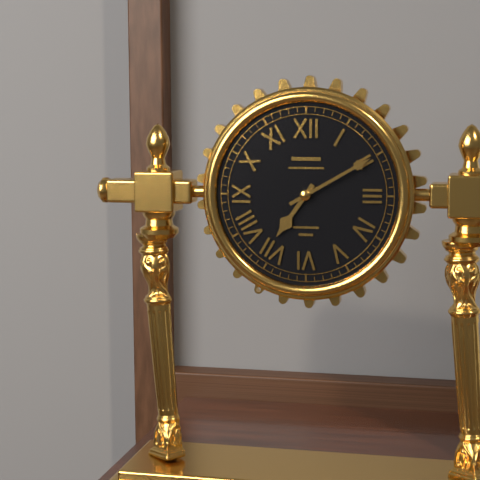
7:10
